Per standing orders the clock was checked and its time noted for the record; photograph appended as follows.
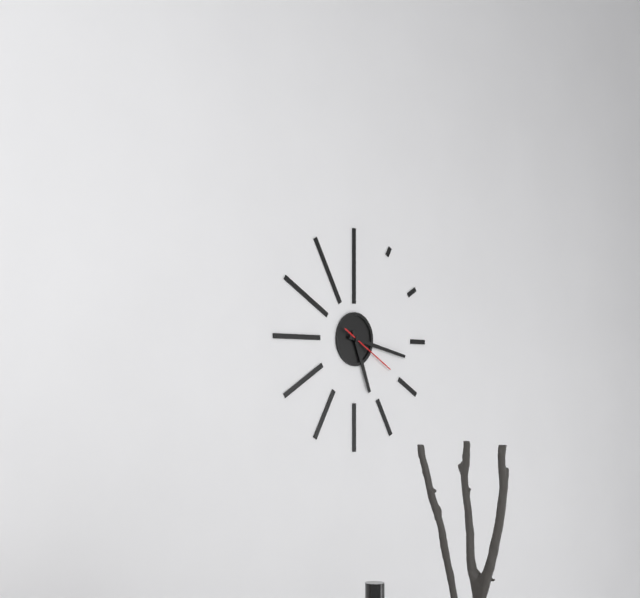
5:17:20
